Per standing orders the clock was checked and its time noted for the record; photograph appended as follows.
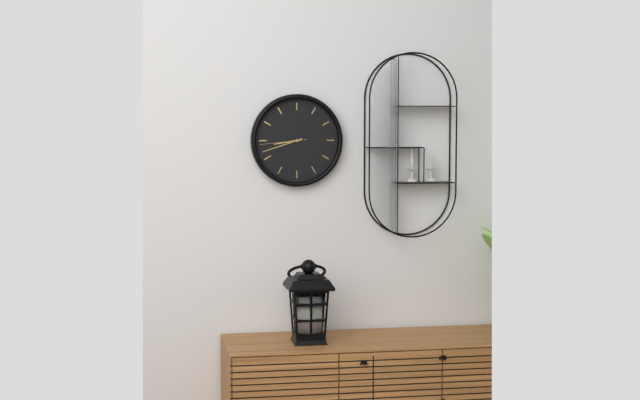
8:42
